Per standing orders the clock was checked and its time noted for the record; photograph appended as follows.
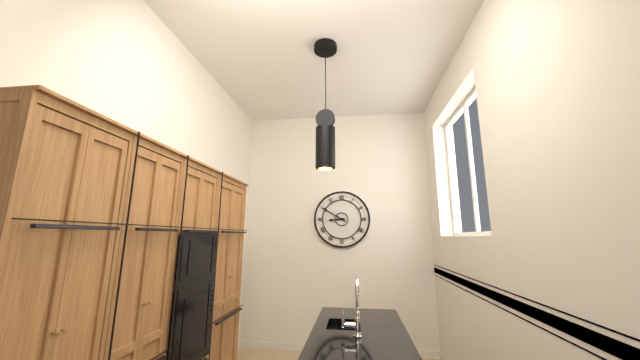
8:50
